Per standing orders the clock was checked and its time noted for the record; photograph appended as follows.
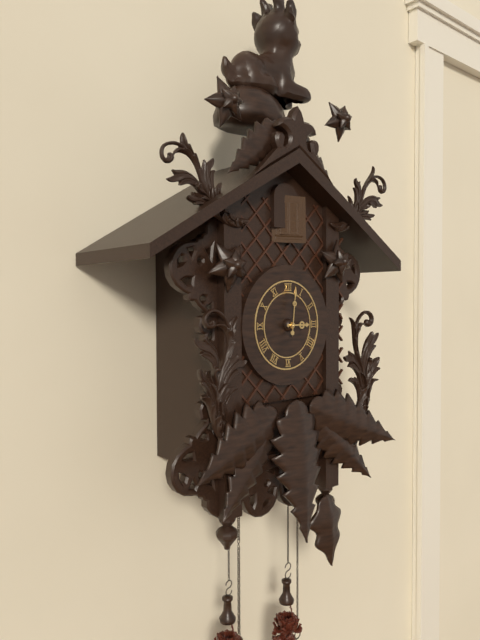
3:01
